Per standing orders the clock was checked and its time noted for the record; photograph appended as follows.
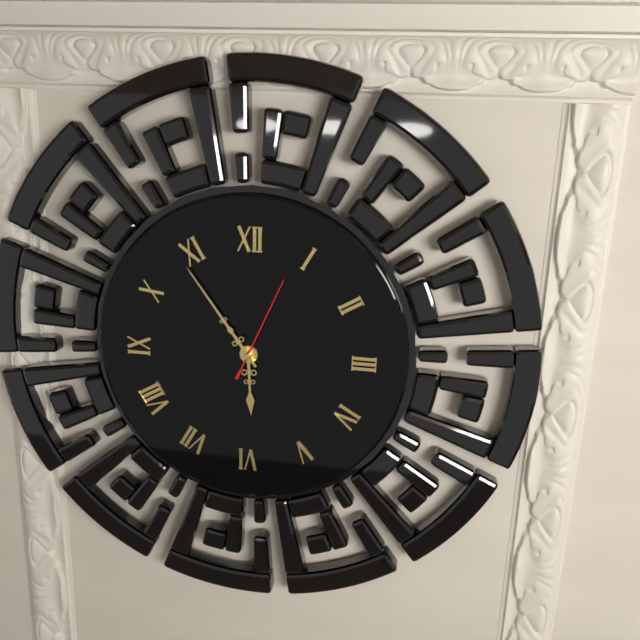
5:54:04
